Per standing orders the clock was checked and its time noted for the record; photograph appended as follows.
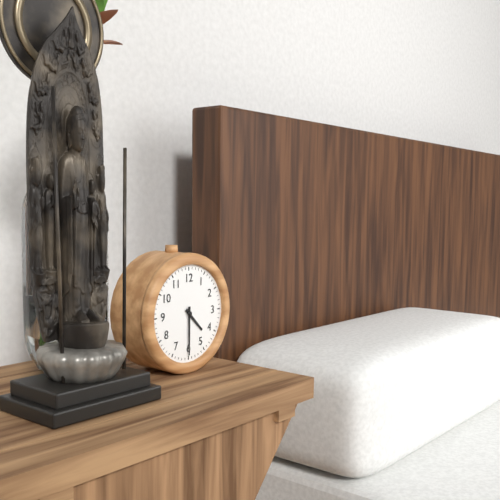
4:30
